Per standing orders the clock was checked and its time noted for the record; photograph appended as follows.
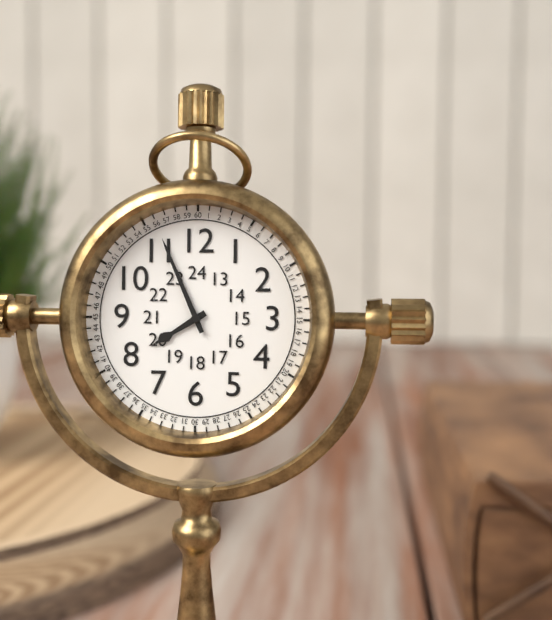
7:56
